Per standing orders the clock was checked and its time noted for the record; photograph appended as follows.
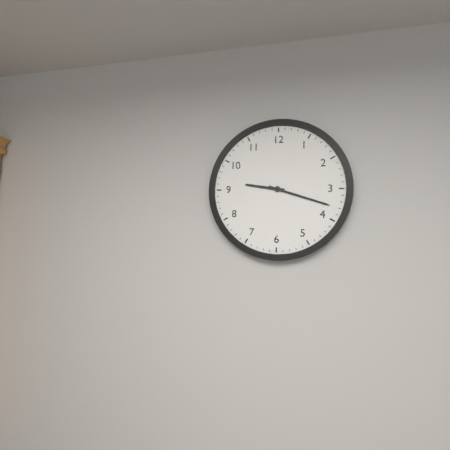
9:18
